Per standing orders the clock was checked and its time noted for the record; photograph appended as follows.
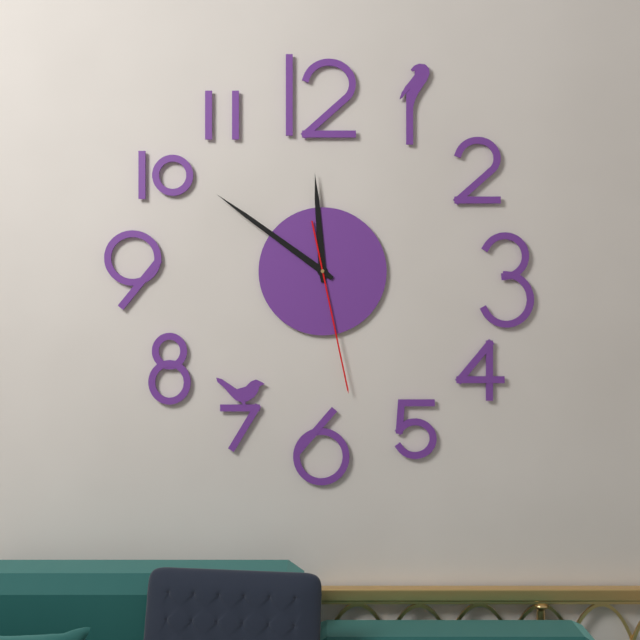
11:51:28
